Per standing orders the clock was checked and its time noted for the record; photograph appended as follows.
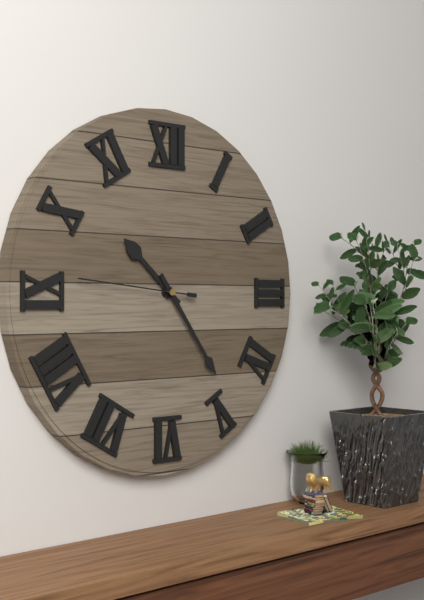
10:24:46
